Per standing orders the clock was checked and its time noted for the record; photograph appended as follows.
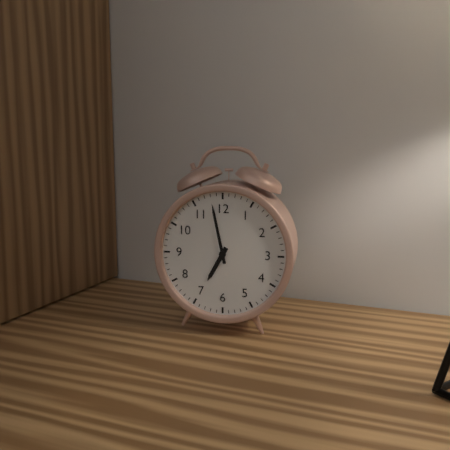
6:58
